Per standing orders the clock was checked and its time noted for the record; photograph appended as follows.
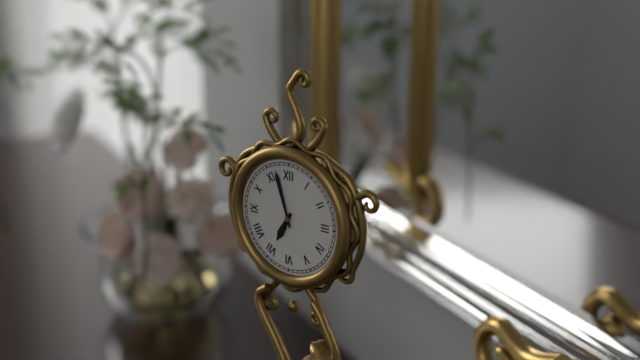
6:57
